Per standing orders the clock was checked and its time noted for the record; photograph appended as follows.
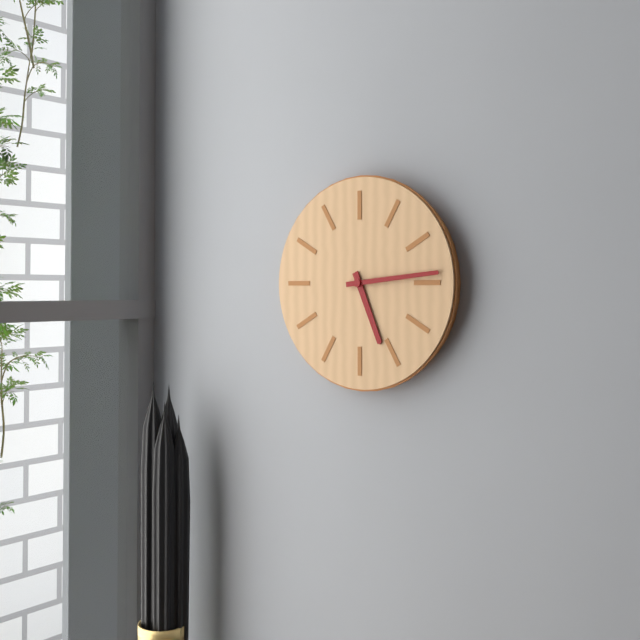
5:14
